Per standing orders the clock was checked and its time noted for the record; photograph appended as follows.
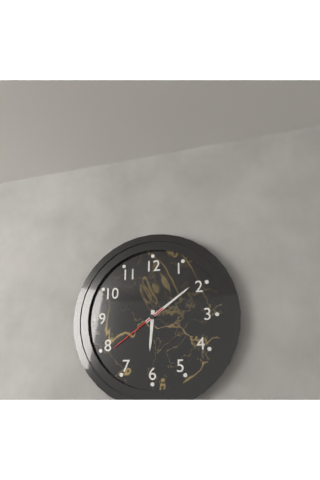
6:09:39
